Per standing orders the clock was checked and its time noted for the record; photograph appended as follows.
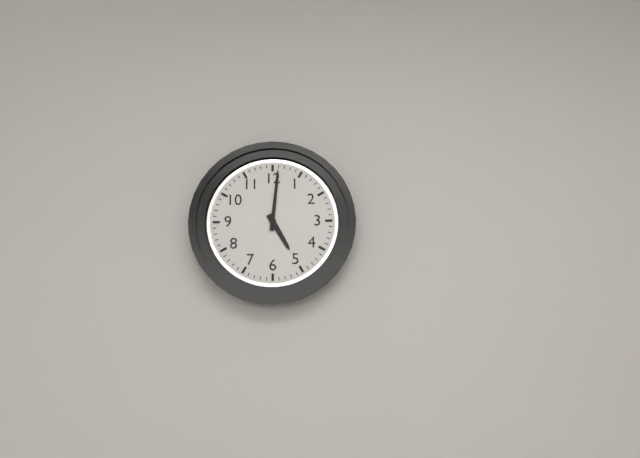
5:01
